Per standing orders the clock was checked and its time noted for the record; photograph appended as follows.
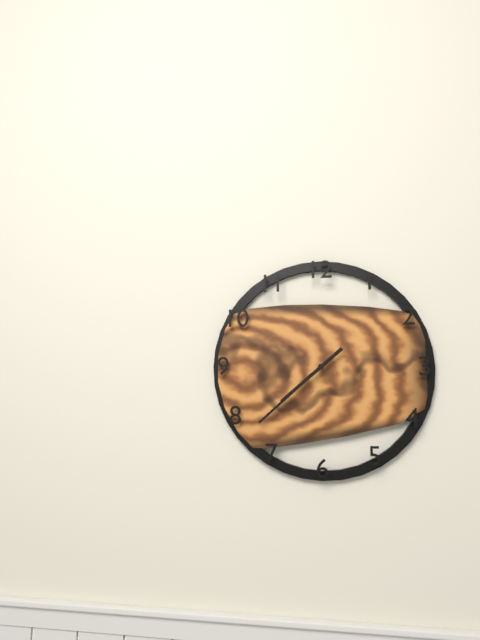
7:38
